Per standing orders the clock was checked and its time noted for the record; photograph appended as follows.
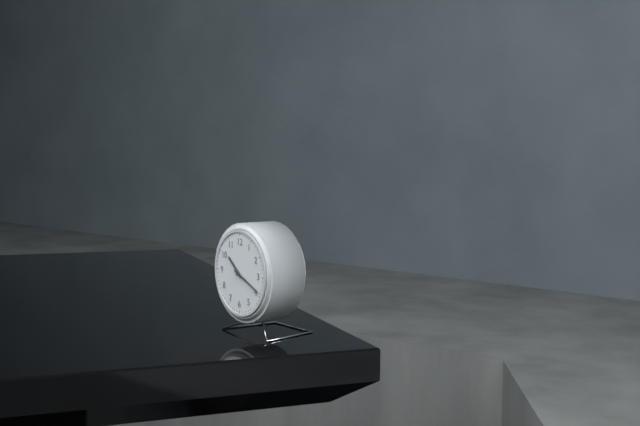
10:19
